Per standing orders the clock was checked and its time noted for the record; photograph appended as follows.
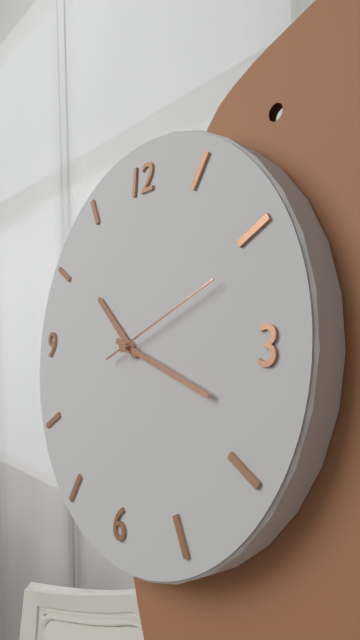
10:18:11
